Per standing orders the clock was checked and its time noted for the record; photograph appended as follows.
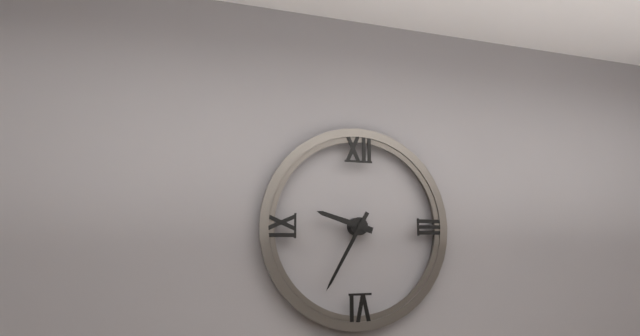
9:35
